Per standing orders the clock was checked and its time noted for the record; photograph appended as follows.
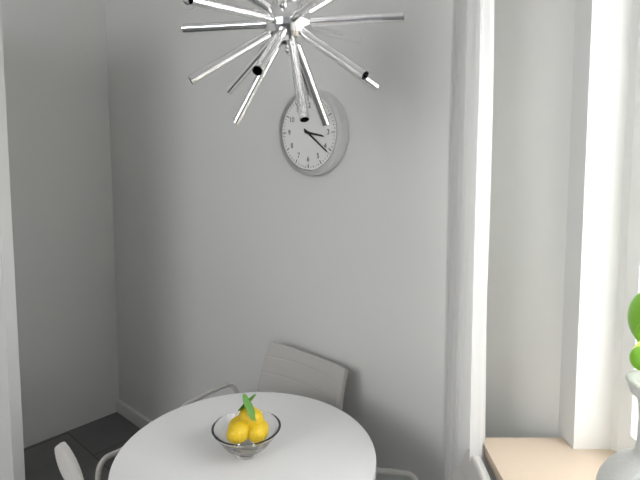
3:21
